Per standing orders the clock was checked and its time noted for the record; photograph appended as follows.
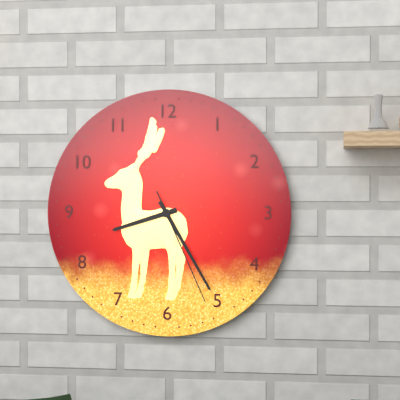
8:25:26
